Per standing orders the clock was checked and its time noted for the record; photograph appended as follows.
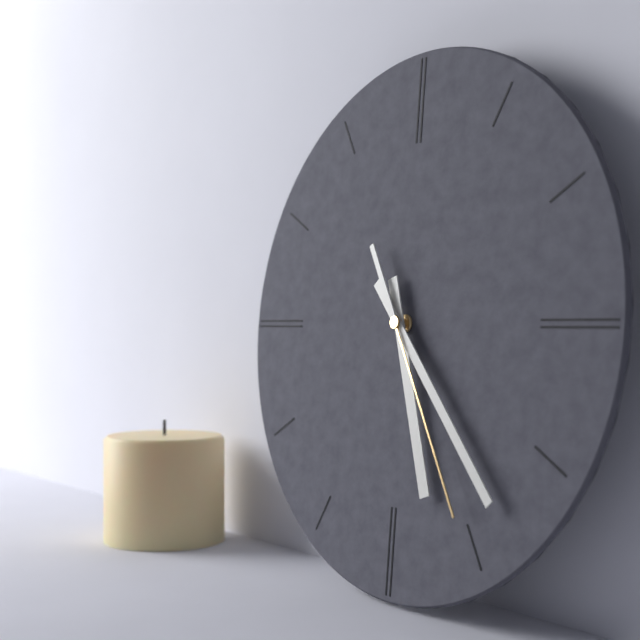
5:23:25
